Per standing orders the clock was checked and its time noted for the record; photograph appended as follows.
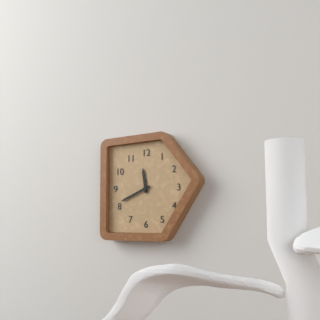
11:41
